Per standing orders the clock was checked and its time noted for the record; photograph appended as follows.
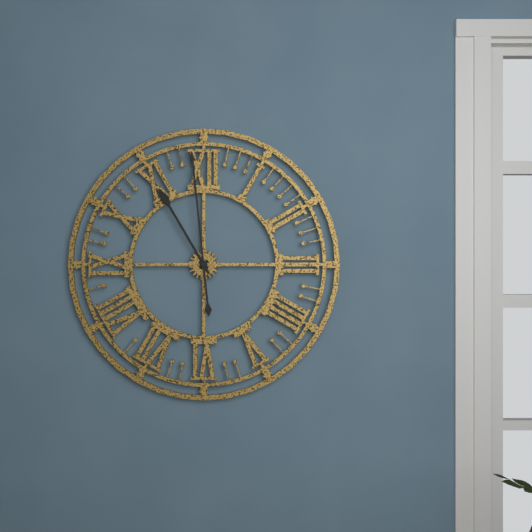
10:59
